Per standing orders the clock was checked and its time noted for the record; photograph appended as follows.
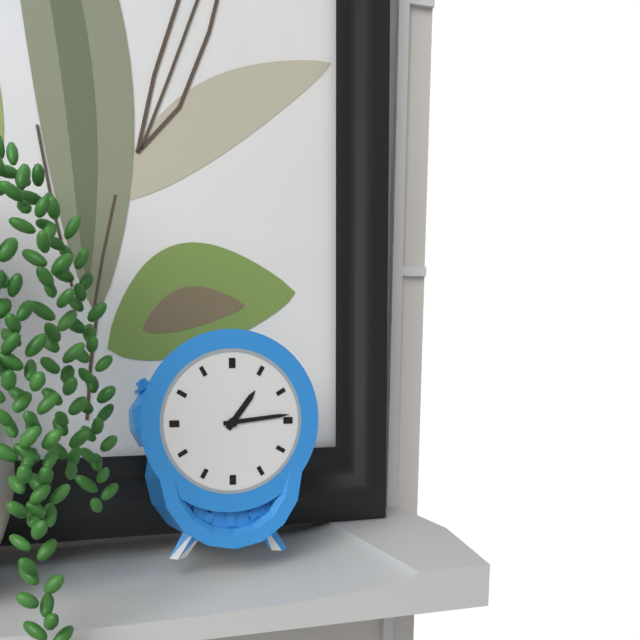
1:14
